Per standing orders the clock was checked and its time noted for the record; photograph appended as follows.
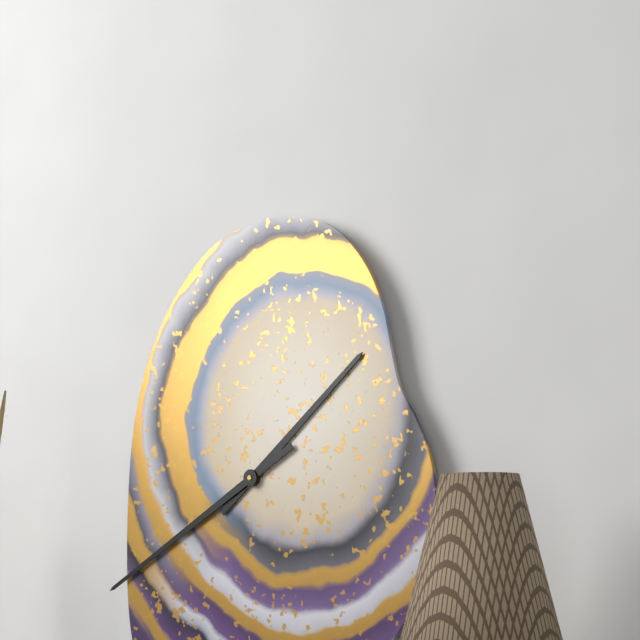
1:40
